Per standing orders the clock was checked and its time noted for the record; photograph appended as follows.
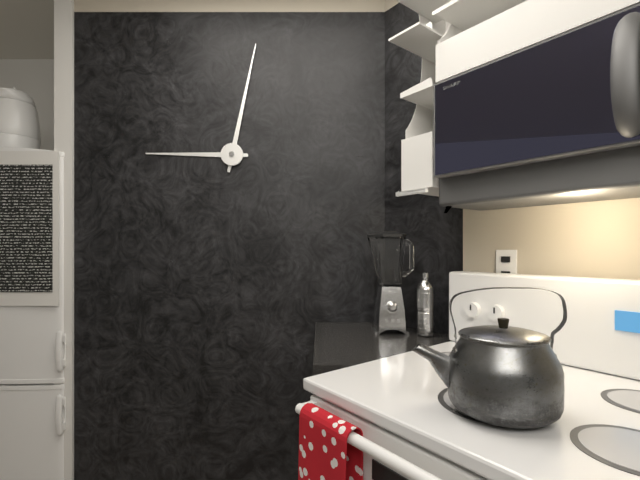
9:02
